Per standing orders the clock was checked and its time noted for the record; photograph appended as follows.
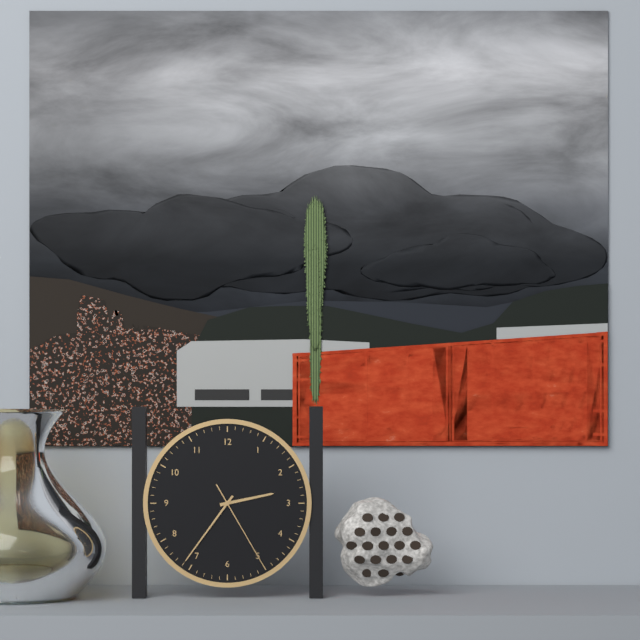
2:36:25
